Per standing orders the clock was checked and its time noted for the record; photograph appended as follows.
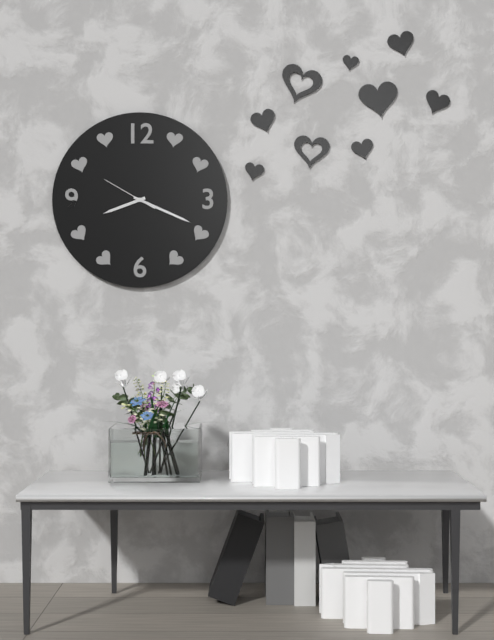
8:19:50
